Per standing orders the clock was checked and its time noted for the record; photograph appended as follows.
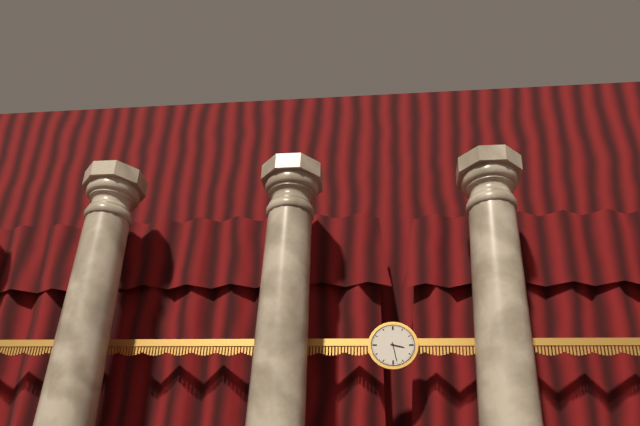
3:28
